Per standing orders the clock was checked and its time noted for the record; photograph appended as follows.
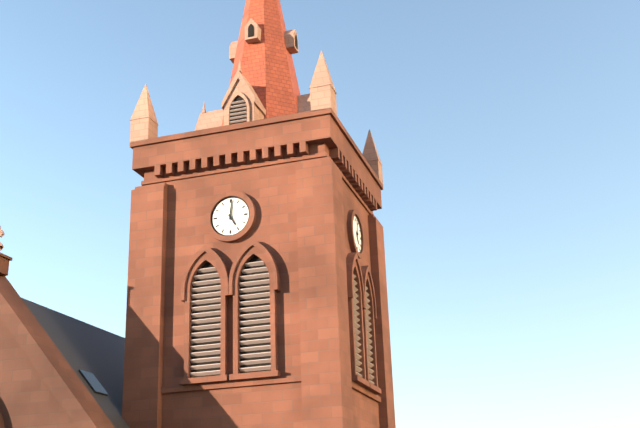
5:01
